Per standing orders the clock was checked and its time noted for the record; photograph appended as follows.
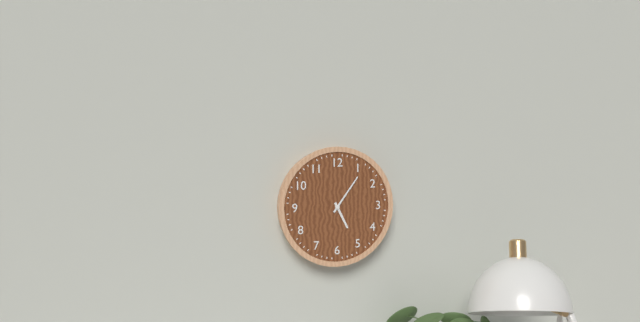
5:06
